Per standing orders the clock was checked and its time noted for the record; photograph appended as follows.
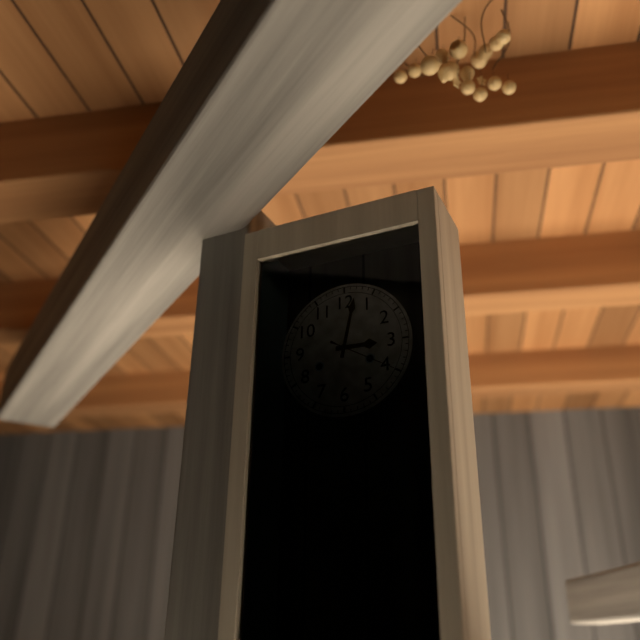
3:02:20
